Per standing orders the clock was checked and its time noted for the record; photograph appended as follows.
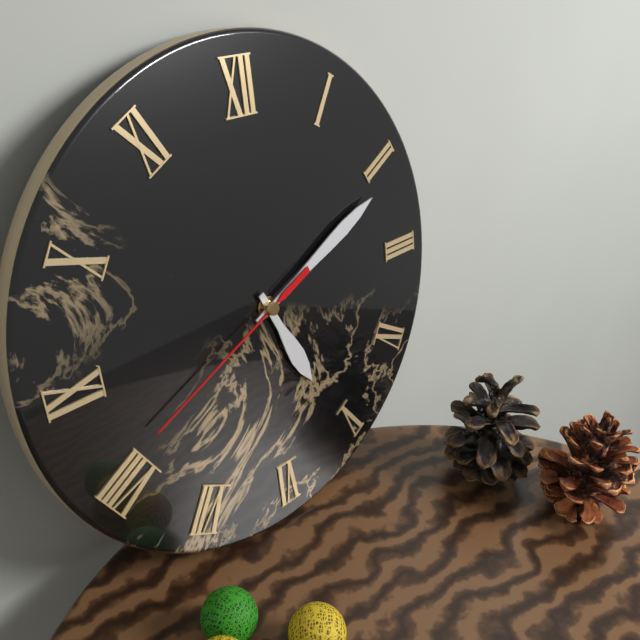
5:11:41
